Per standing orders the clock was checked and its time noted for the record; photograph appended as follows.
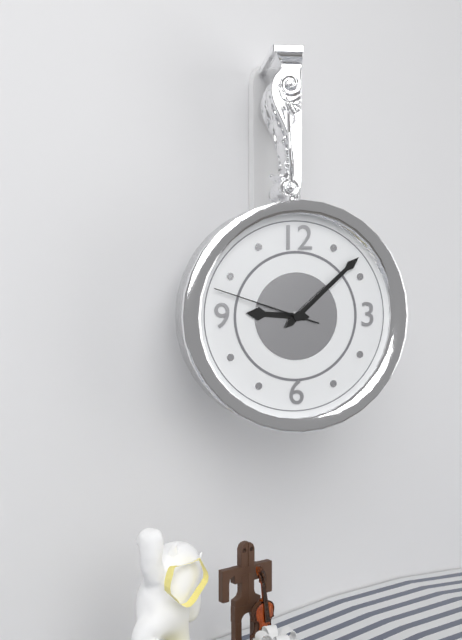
9:08:48
